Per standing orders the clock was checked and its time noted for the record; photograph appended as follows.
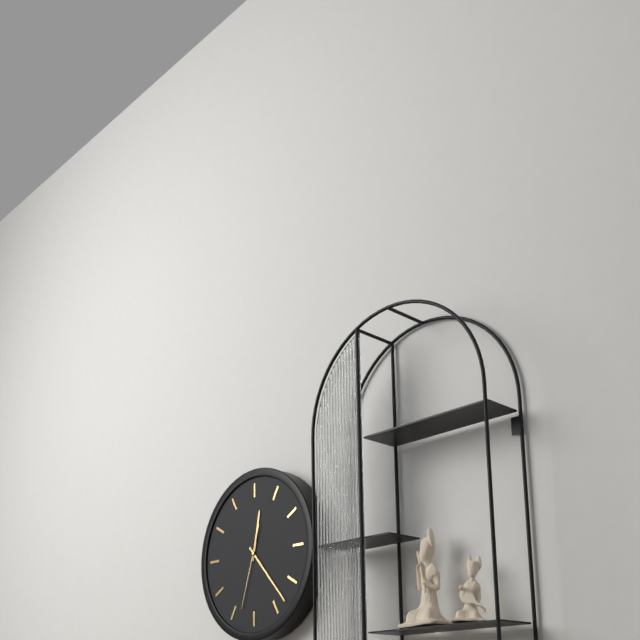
12:23:33
